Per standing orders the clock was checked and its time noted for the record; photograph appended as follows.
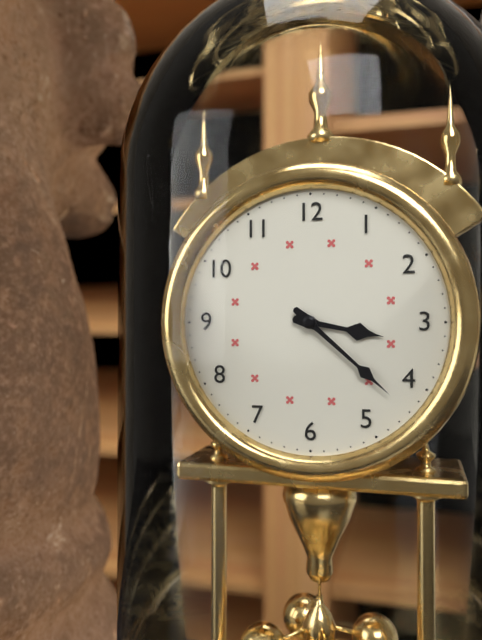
3:22
